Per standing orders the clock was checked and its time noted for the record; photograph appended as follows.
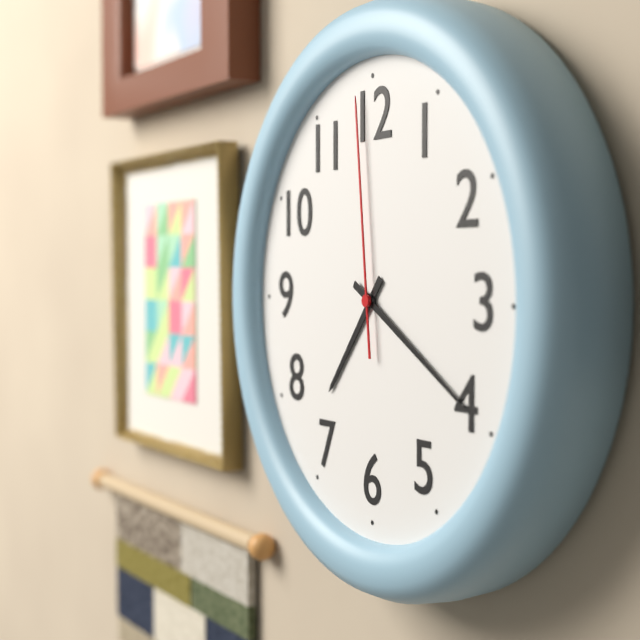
7:20:59
